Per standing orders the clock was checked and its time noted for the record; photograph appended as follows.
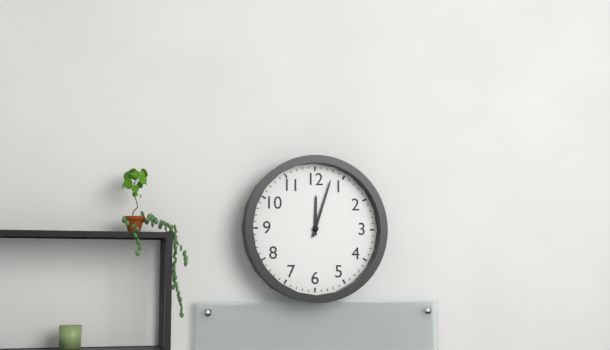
12:03
